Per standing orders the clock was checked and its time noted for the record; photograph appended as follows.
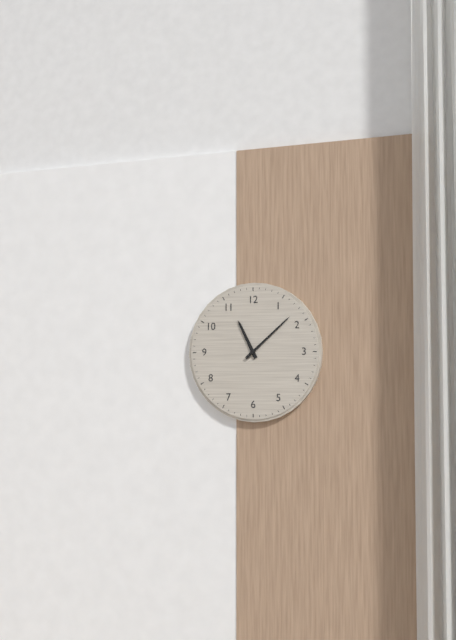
11:08
